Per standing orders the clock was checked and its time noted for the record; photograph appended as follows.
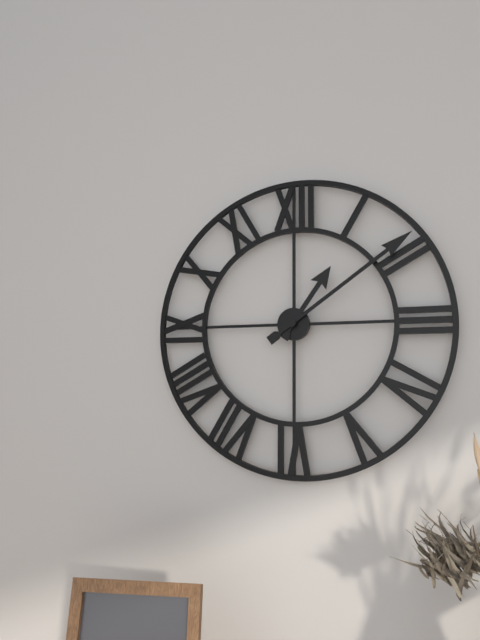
1:09
